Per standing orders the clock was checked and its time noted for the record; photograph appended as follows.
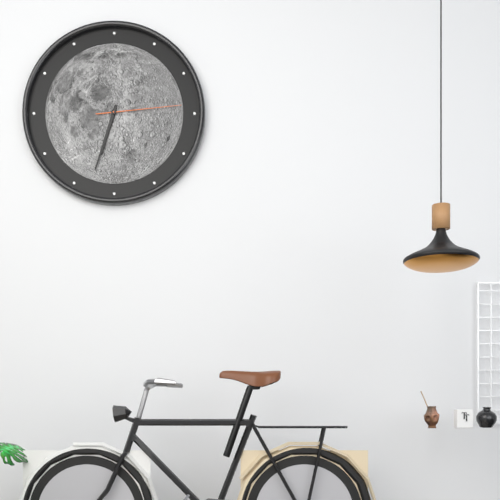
6:33:14
